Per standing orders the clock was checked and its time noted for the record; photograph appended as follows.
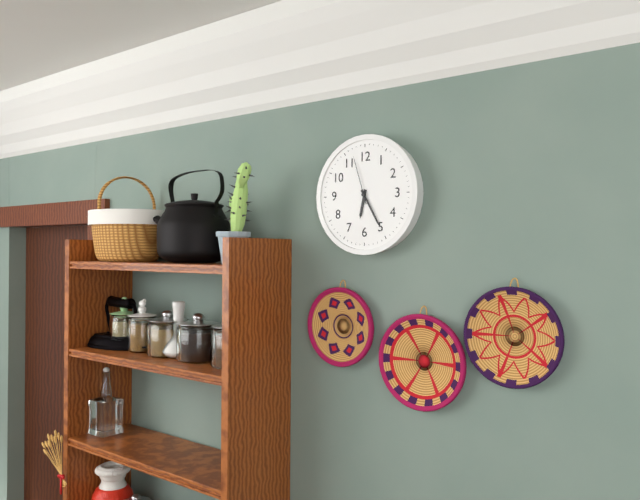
6:25:57
